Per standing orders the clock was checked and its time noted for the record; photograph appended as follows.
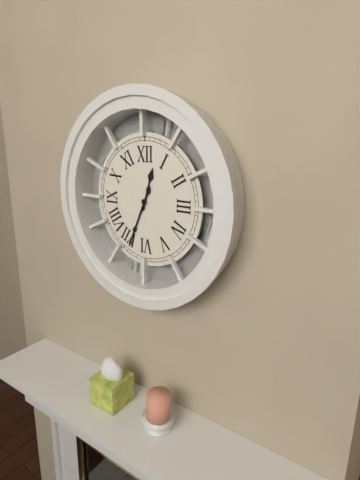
12:34
